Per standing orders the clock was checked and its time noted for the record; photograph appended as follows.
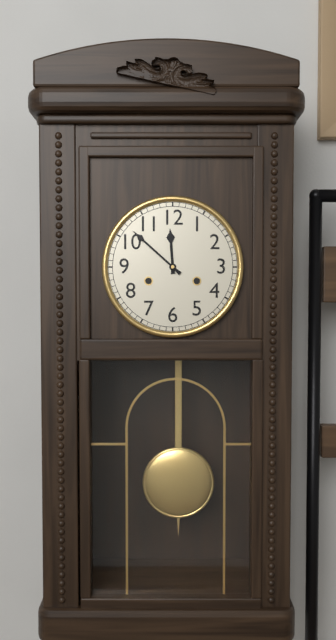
11:52
